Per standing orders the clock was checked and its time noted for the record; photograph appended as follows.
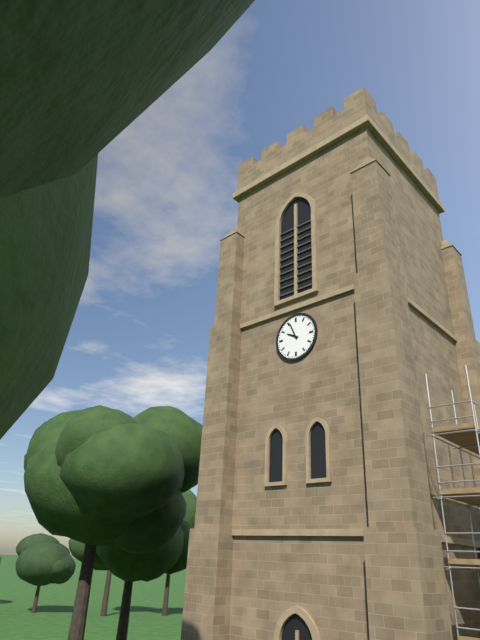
9:56
